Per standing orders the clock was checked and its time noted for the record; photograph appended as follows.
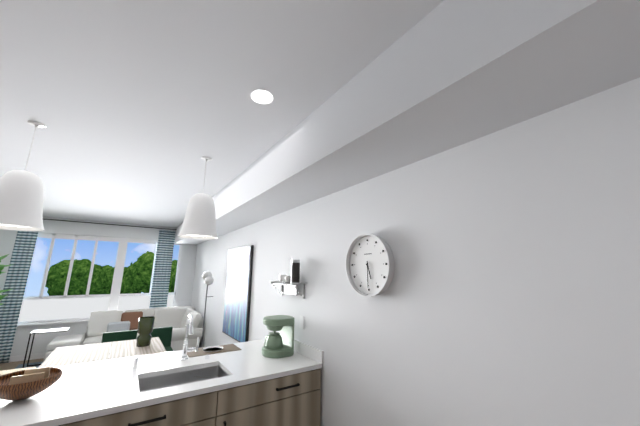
5:30
